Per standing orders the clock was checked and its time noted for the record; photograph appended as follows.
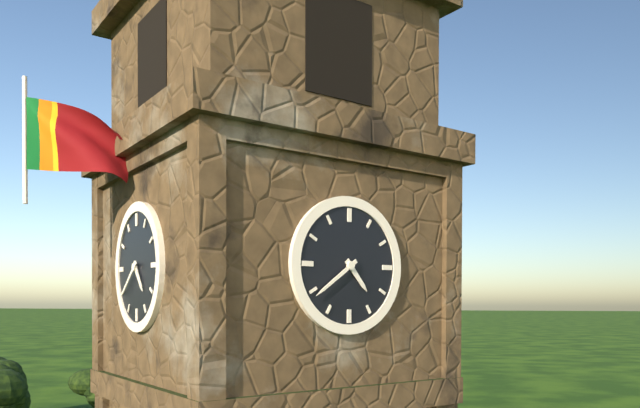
4:39
